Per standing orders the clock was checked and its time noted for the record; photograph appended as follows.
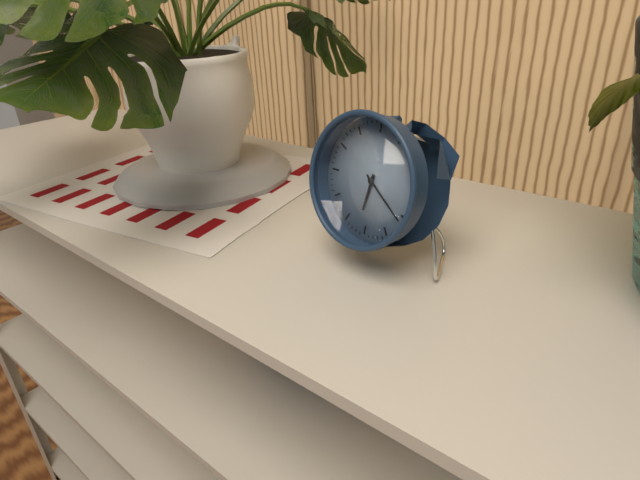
6:21
